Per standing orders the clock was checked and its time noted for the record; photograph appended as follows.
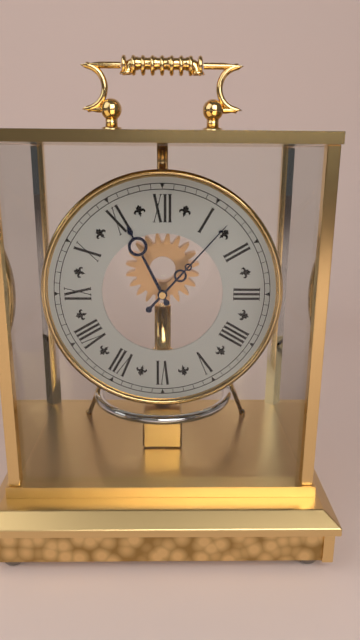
11:07
